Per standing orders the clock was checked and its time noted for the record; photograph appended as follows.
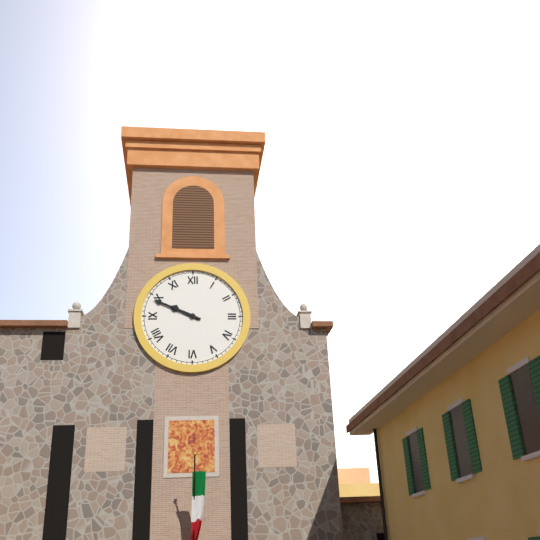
9:49
